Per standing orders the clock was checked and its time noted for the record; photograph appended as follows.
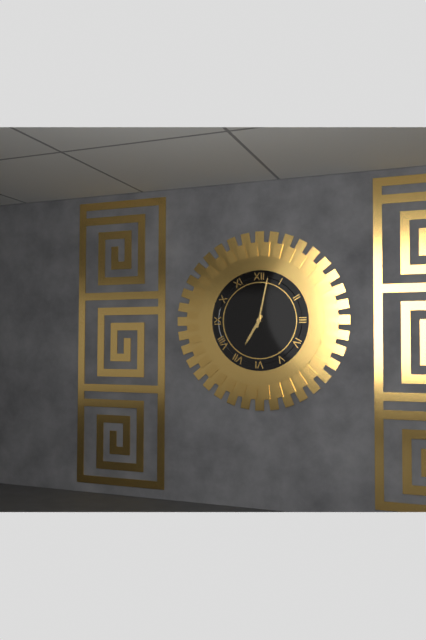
7:02
